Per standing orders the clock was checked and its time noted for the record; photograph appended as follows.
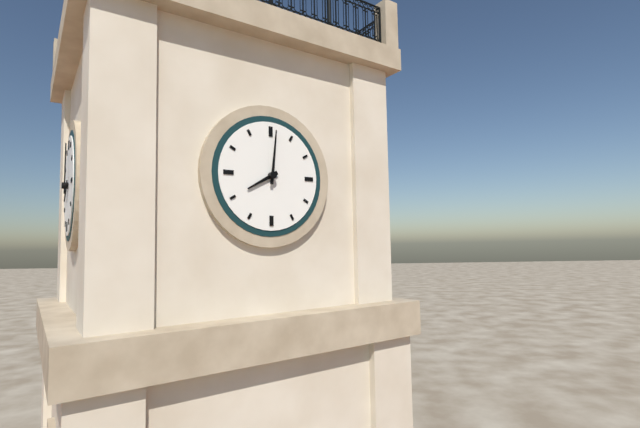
8:01
